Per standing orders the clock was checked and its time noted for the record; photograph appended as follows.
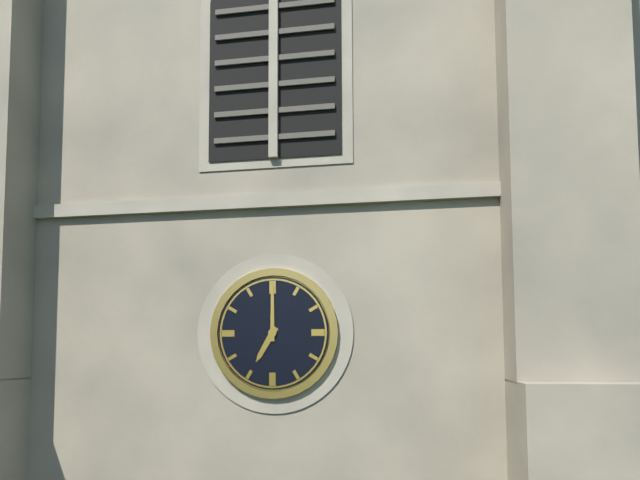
7:00
